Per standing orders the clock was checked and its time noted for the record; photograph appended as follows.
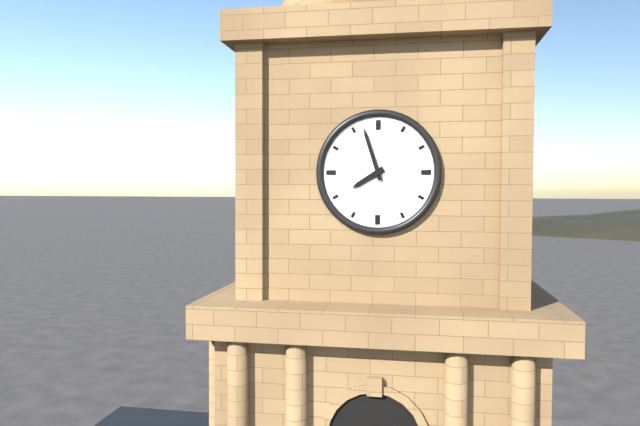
7:57
